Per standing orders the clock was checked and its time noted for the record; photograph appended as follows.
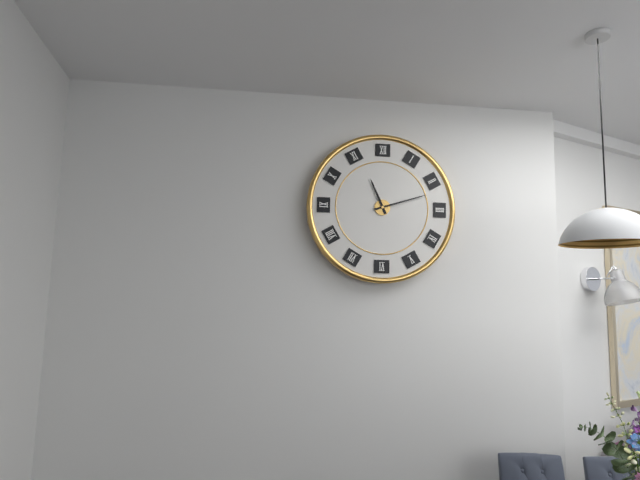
11:12
